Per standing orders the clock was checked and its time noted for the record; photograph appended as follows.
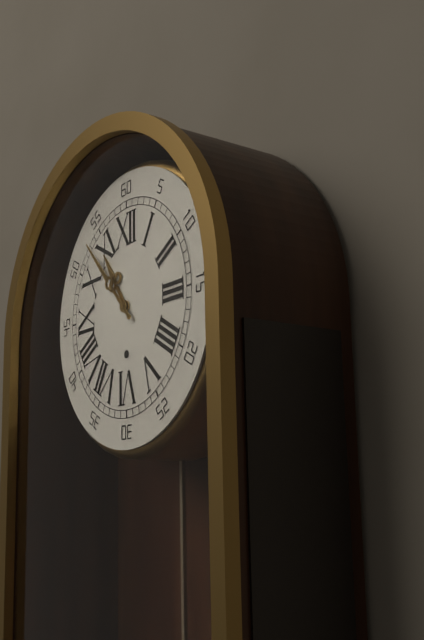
10:53
